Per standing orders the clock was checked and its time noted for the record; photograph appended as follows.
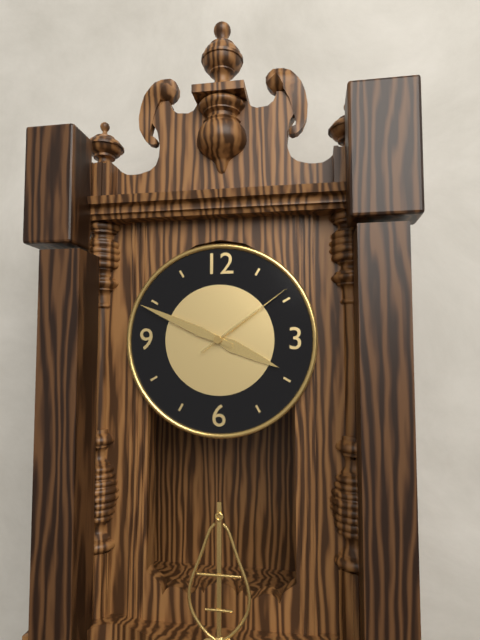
3:49:09
